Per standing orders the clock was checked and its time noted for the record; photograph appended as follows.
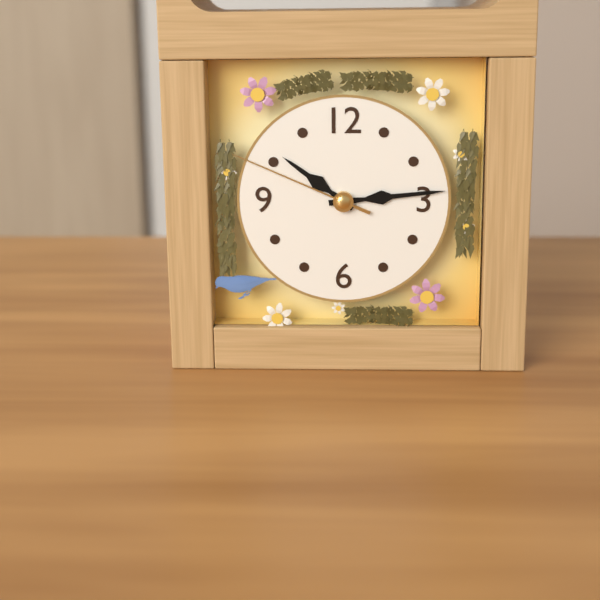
10:14:49
